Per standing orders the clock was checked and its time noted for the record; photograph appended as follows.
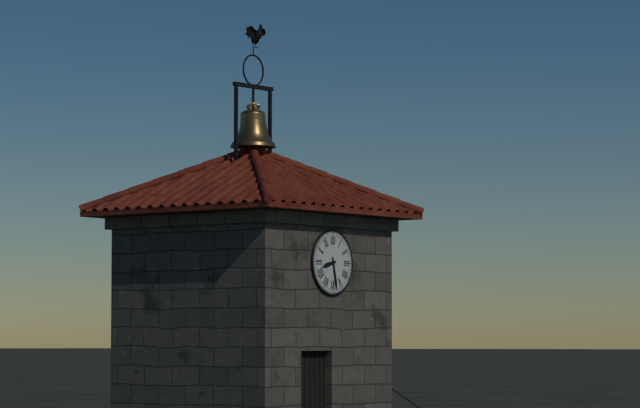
8:28
